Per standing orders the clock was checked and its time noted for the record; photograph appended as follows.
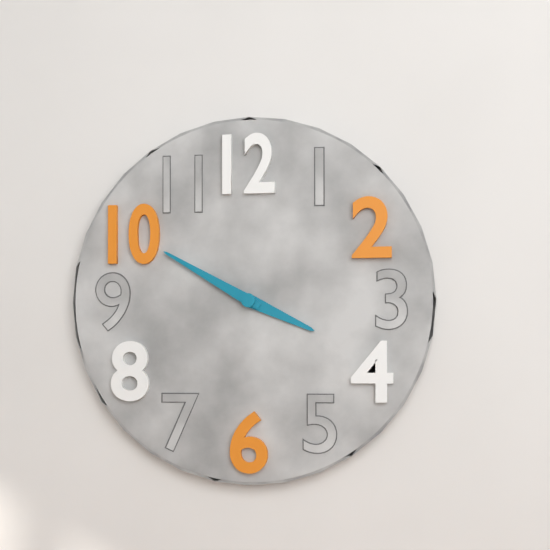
3:50
